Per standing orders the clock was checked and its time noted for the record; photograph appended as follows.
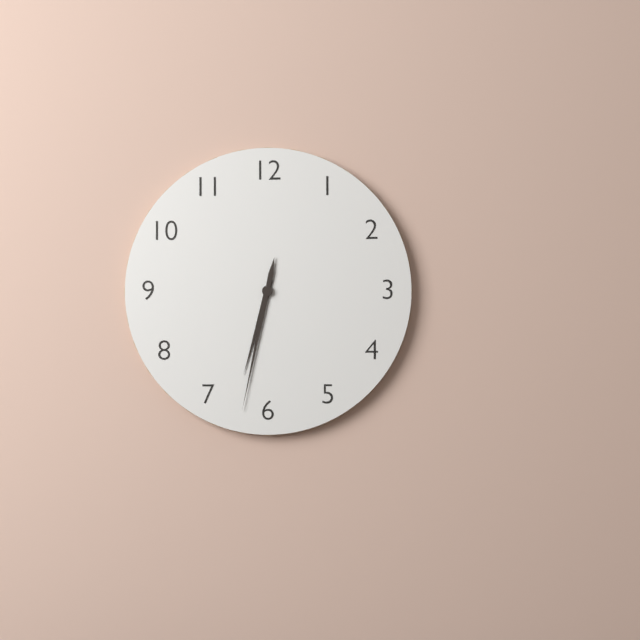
6:32
